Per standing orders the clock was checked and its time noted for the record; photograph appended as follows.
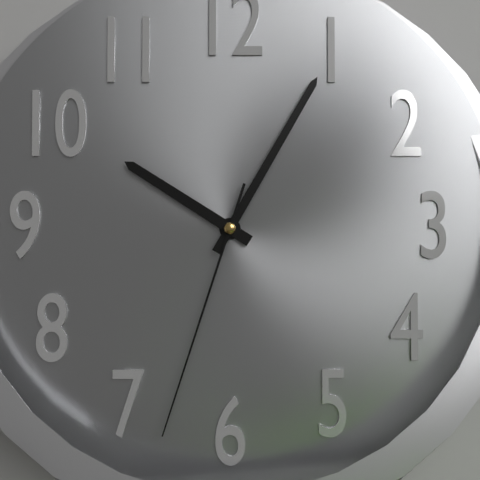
10:05:33
